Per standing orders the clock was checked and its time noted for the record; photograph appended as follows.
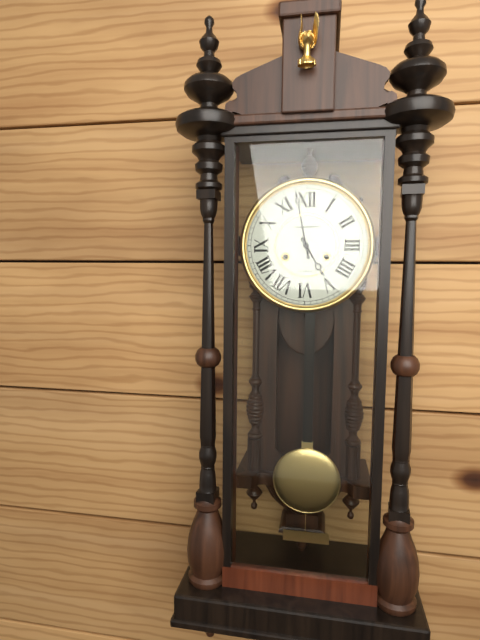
4:58
